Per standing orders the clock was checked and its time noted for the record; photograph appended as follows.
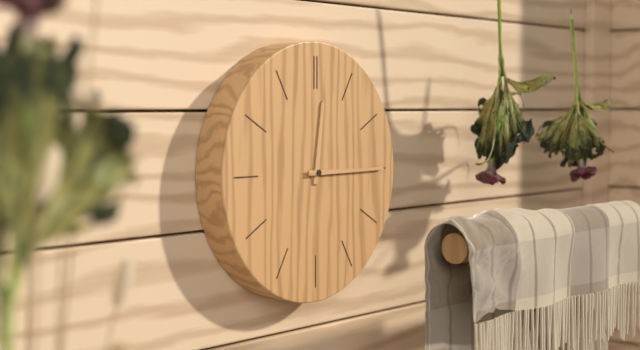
12:15
